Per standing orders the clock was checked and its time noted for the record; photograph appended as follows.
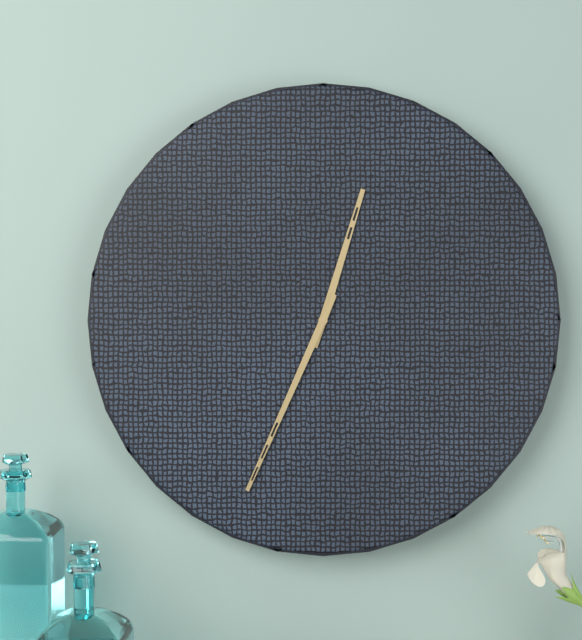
12:34
